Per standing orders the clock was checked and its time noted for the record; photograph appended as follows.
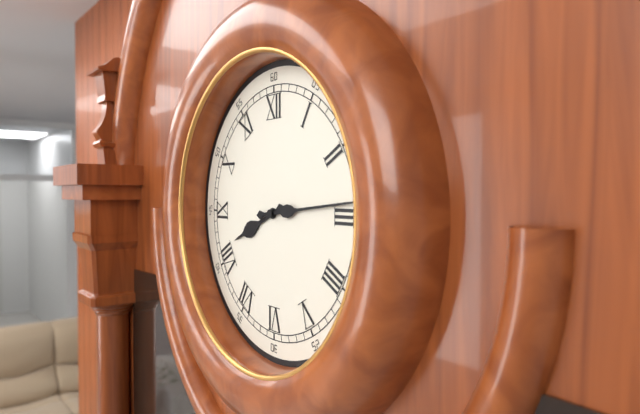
8:14
